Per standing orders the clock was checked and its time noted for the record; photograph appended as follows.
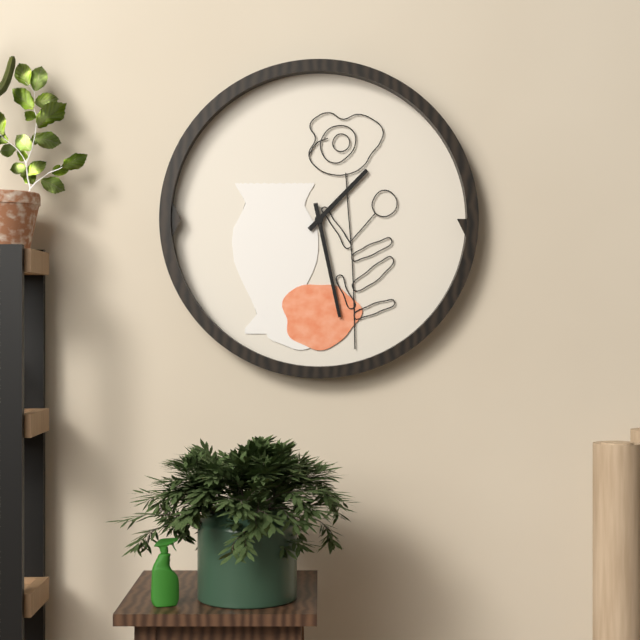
1:28
